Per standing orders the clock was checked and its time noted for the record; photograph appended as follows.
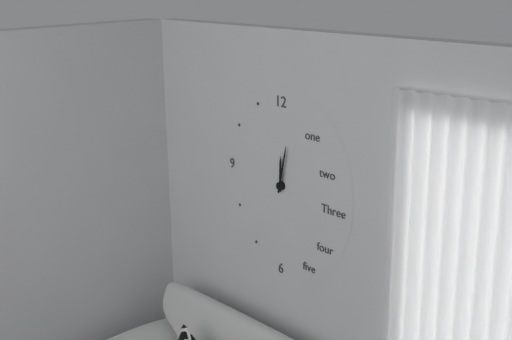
12:02
